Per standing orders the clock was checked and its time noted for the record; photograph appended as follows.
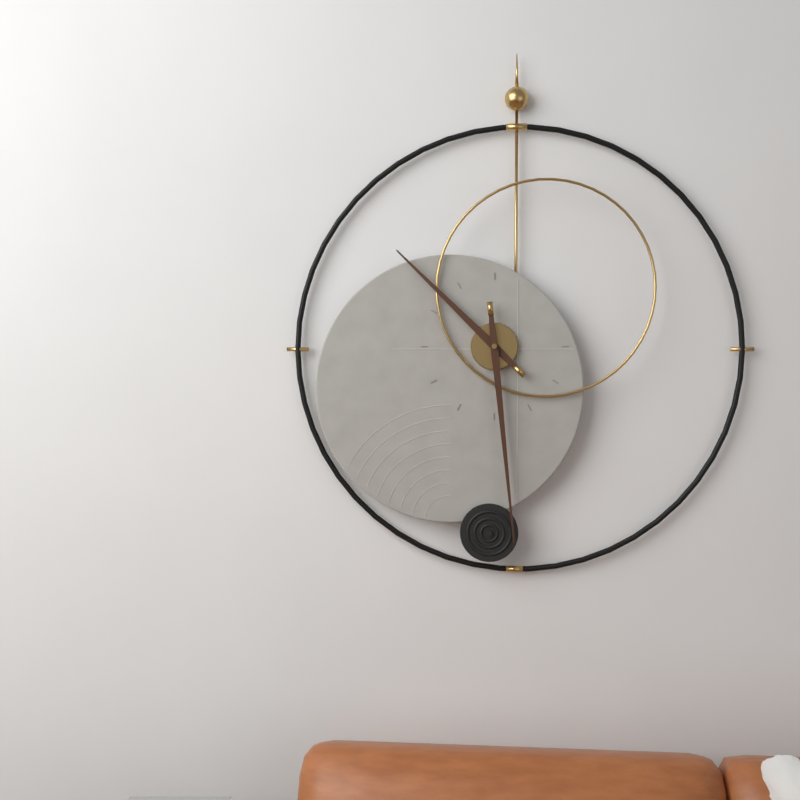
10:29
